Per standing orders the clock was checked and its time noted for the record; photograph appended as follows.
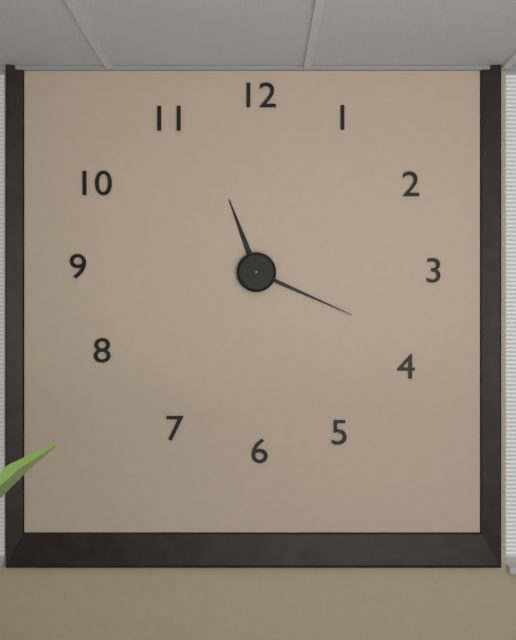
11:19
